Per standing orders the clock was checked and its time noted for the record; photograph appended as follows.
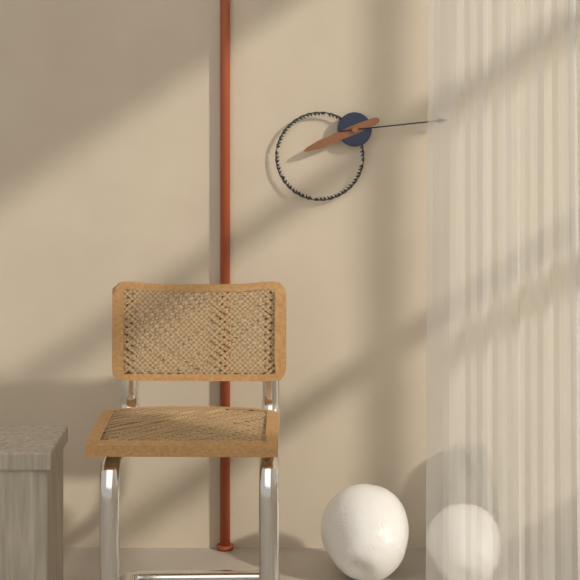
8:14
